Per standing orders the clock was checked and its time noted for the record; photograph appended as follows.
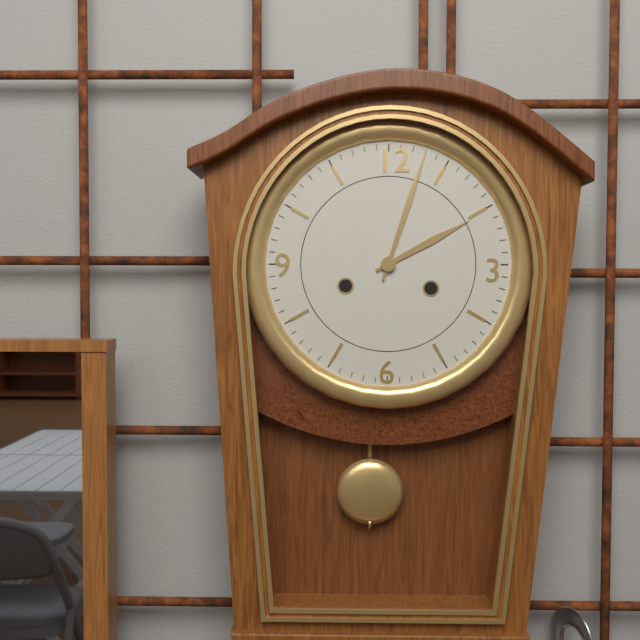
2:03
